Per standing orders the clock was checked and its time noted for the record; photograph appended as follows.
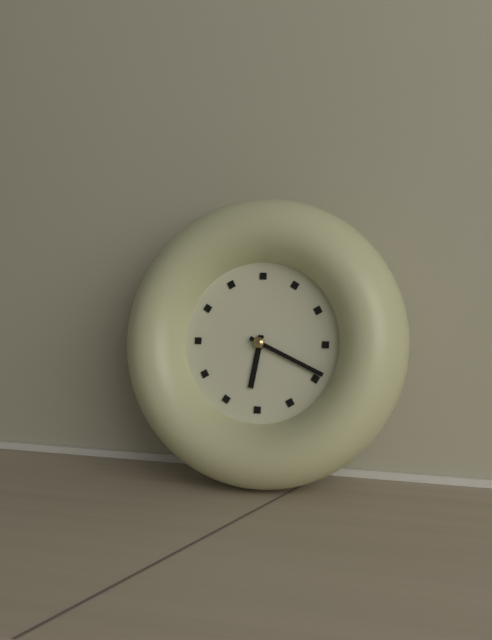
6:19
